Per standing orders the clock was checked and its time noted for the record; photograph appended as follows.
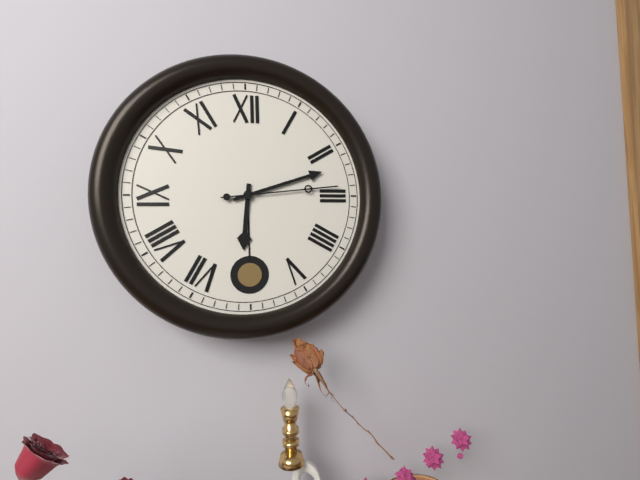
6:12:14
